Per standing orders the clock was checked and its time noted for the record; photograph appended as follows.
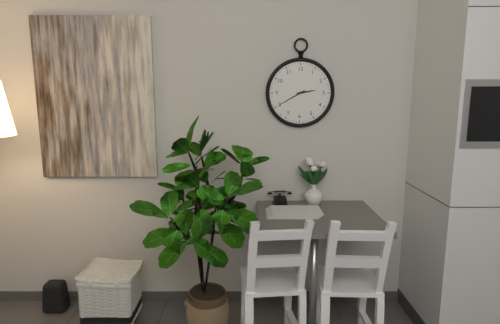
2:40
